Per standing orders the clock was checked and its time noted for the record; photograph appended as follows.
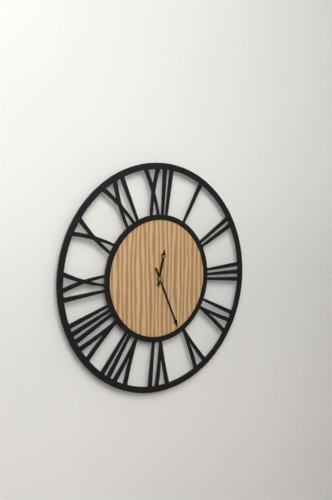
12:26
